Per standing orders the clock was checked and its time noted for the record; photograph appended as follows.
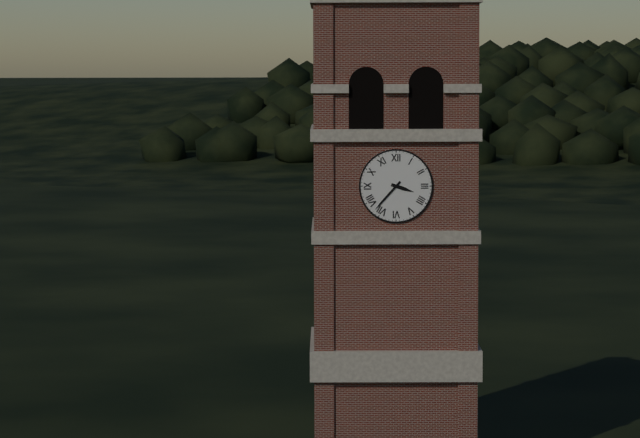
3:37
